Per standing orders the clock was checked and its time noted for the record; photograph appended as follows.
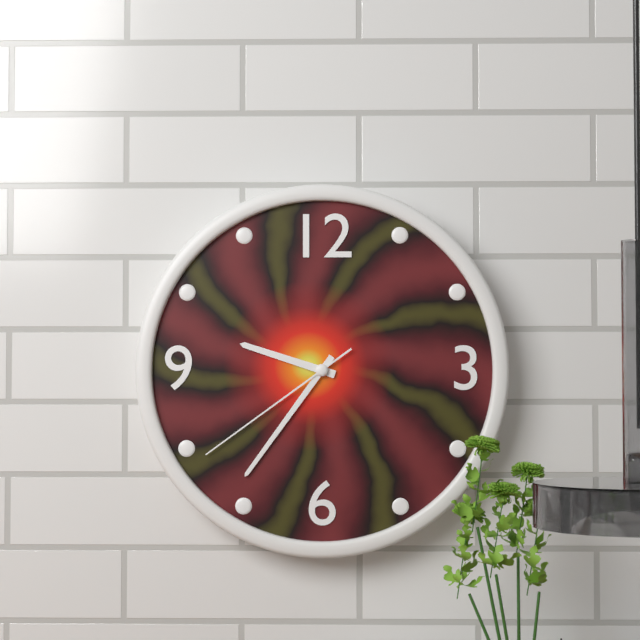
9:36:39
